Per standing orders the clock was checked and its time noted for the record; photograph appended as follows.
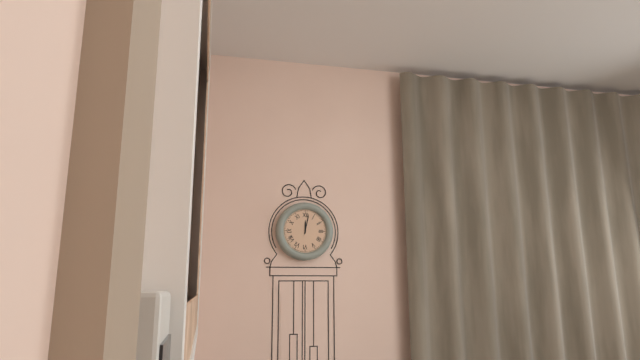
12:02
